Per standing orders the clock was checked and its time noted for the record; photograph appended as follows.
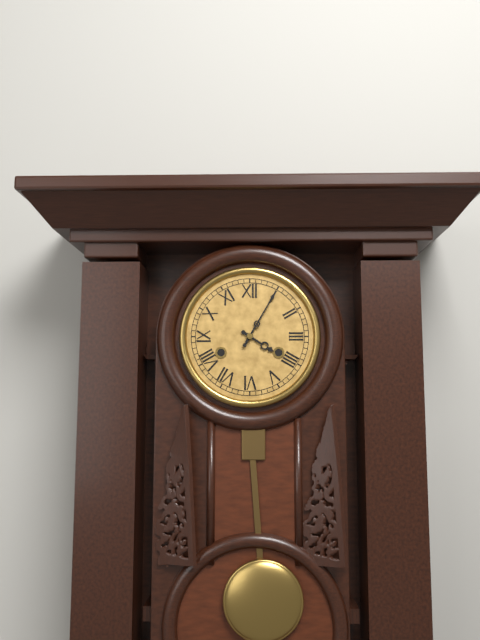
4:05
